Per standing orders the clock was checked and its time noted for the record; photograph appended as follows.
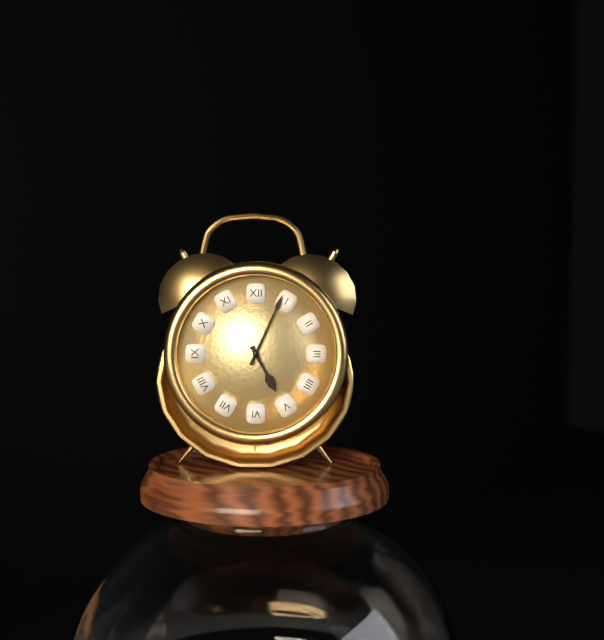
5:04
